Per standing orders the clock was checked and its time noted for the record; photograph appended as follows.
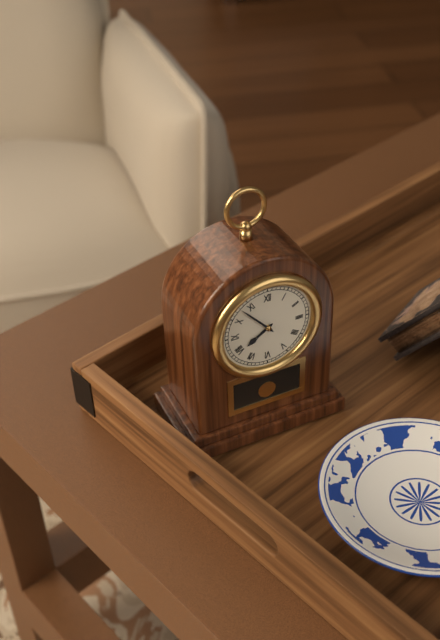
7:53
